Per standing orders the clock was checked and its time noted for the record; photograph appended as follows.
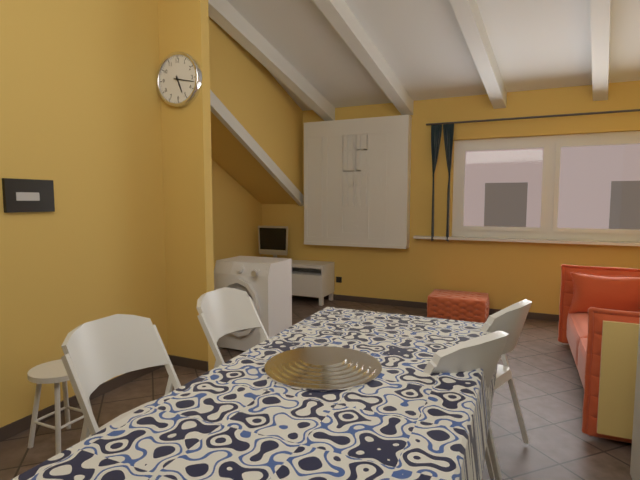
5:17
